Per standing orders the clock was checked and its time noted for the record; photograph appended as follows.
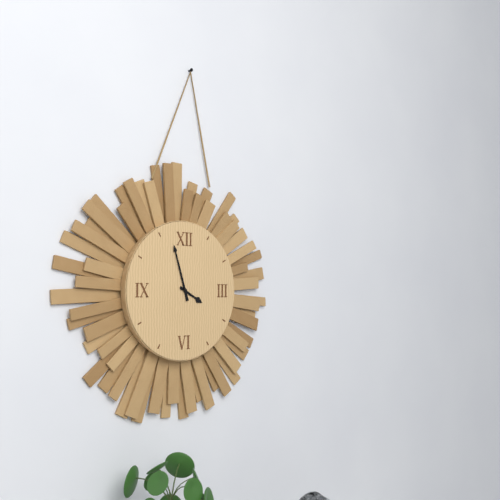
3:57
